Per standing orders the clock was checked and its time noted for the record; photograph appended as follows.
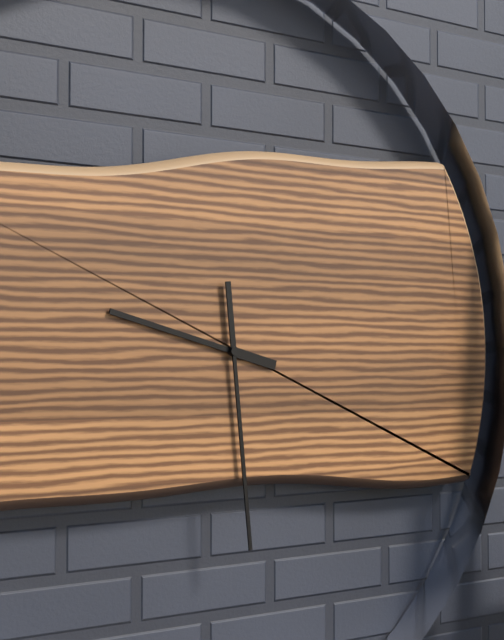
9:29
